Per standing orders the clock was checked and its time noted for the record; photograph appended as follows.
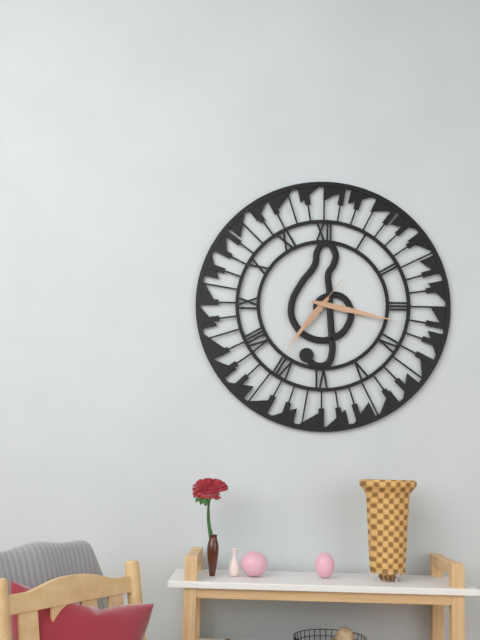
7:17:36
